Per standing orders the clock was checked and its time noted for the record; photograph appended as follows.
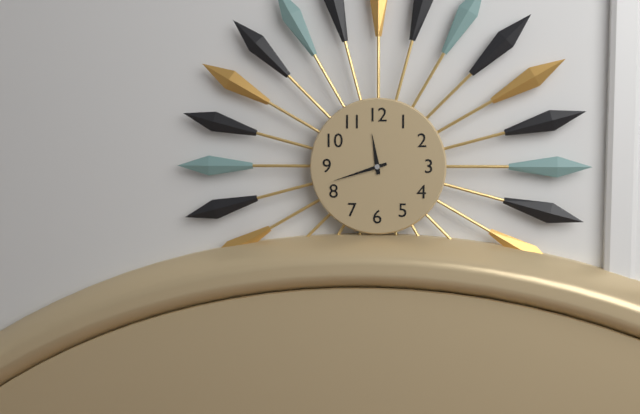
11:42
